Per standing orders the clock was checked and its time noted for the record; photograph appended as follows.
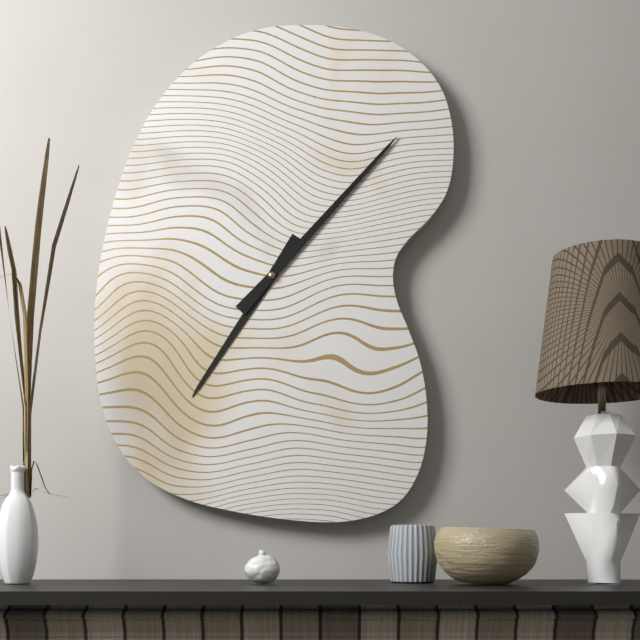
7:07
